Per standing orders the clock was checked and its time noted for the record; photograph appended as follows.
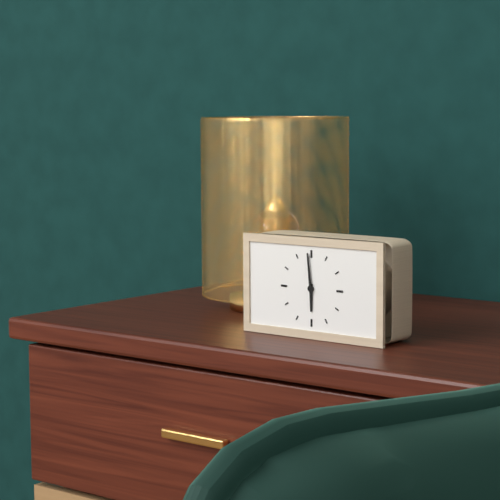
5:59
